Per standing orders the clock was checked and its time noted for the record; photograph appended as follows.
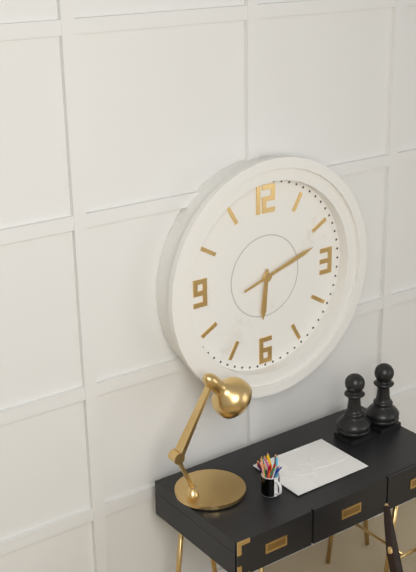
6:12
